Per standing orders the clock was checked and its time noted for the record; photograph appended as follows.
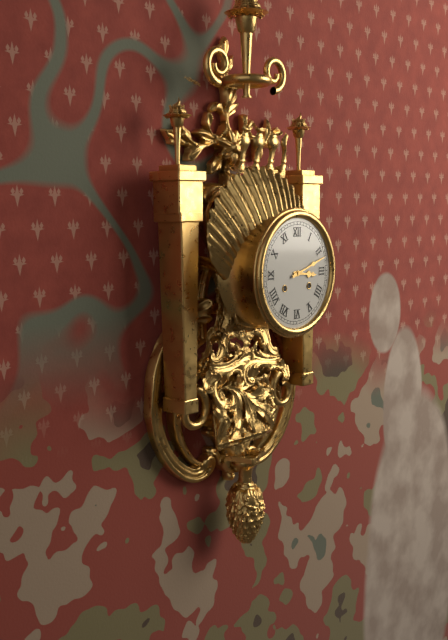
3:12
